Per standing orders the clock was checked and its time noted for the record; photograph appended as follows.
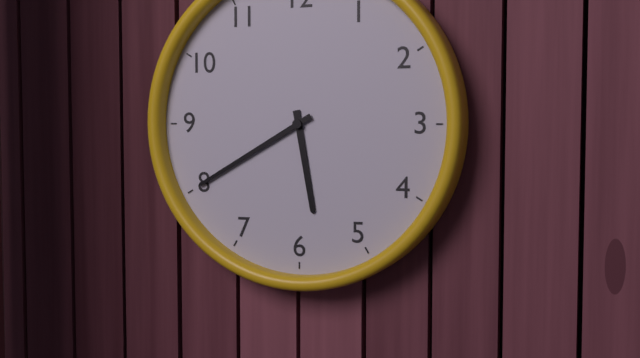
5:40
